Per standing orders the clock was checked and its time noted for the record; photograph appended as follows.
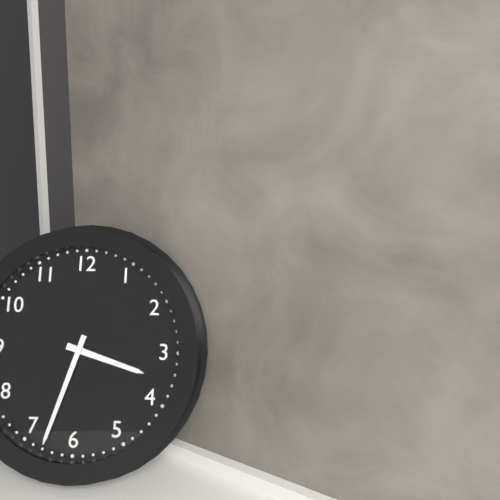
3:33
